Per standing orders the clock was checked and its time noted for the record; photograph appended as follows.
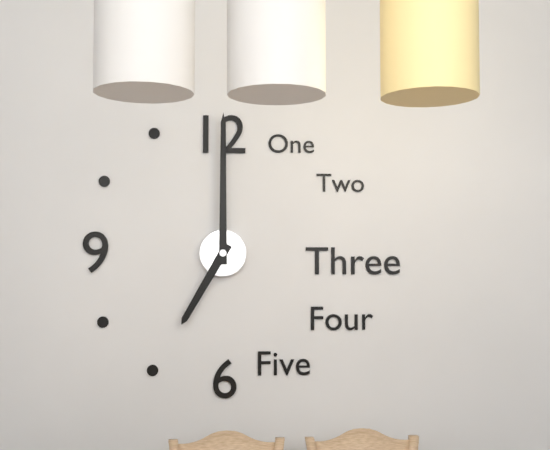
7:00
